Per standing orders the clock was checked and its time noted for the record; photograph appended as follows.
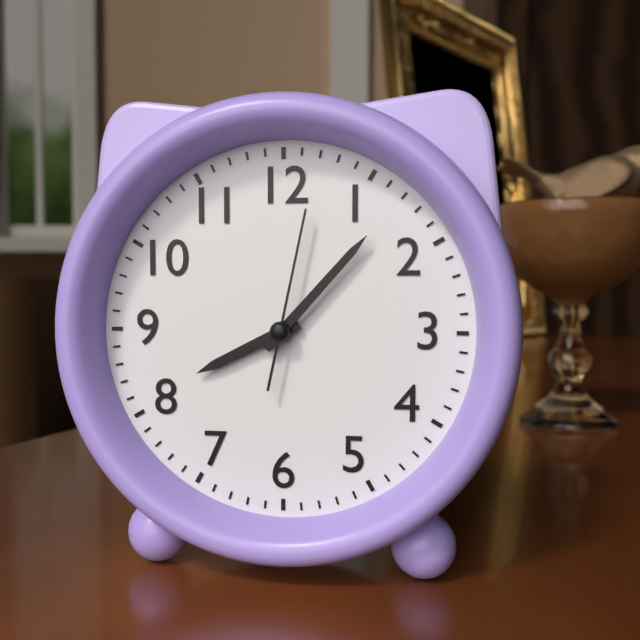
8:07:02
